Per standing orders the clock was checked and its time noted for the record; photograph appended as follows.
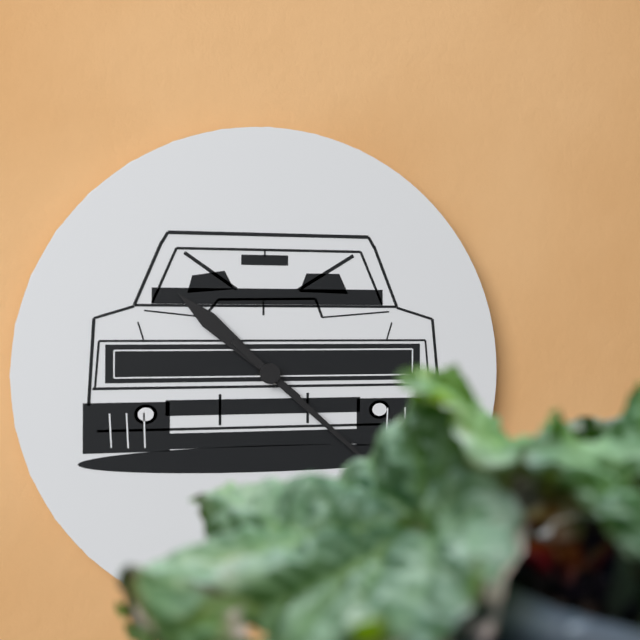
10:22
